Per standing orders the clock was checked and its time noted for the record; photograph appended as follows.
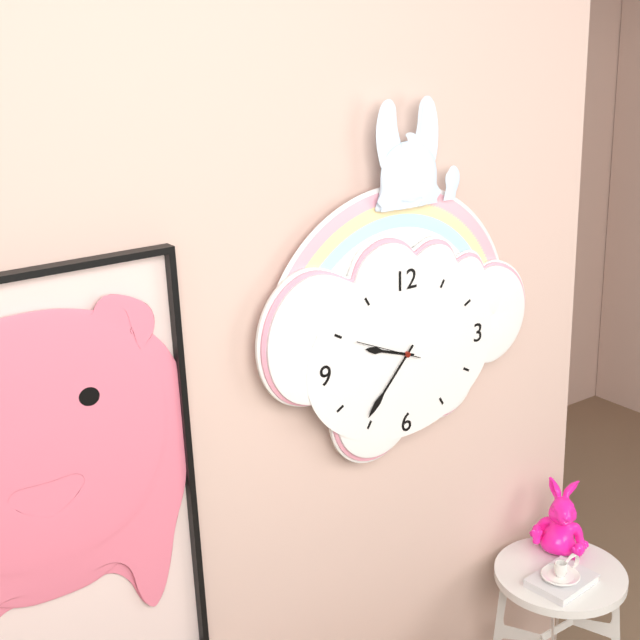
9:37:49
